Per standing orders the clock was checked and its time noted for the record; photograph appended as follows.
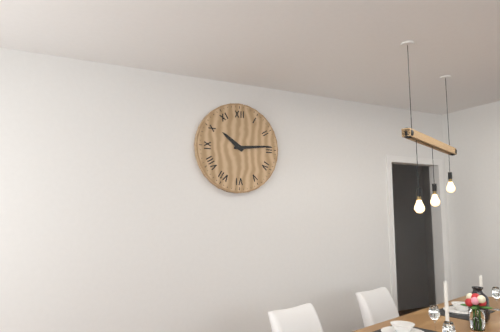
10:14
